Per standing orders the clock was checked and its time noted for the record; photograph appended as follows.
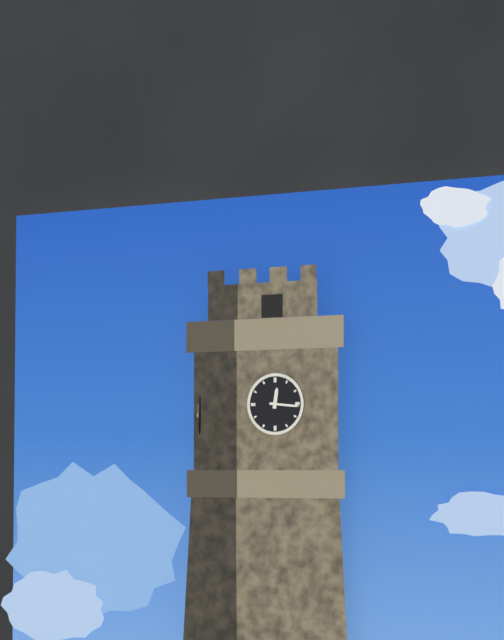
12:16
